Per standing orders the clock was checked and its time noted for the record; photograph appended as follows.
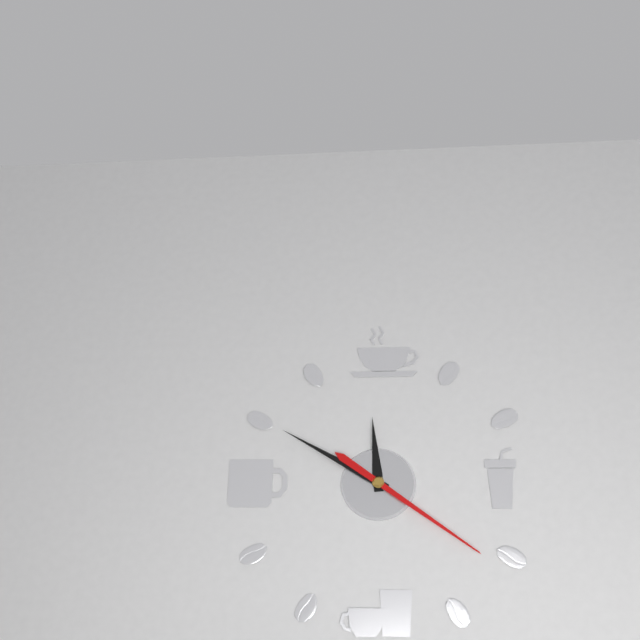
11:50:21
